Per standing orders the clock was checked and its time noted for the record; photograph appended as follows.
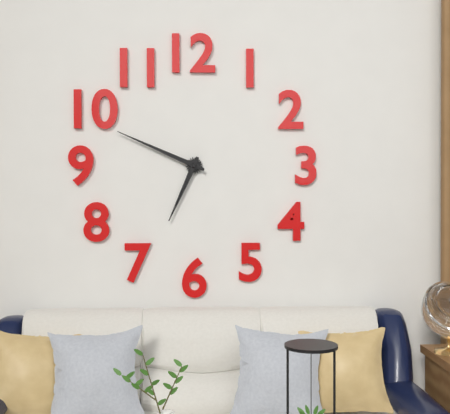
6:49
